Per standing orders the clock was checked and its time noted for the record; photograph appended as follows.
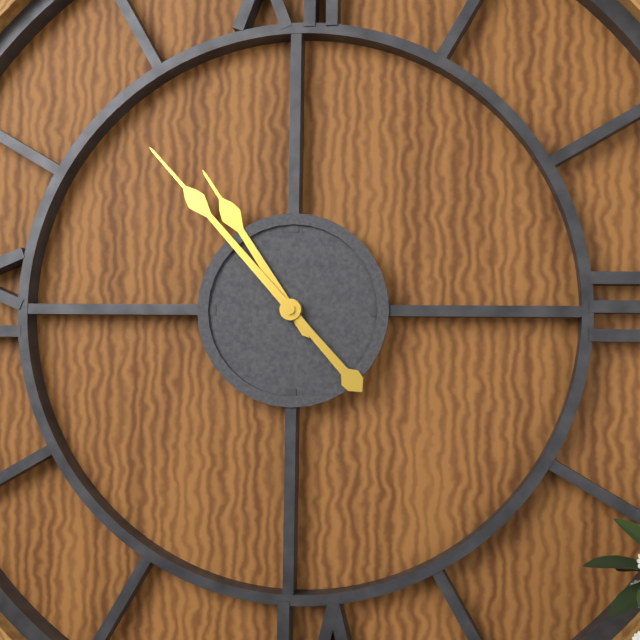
10:53
